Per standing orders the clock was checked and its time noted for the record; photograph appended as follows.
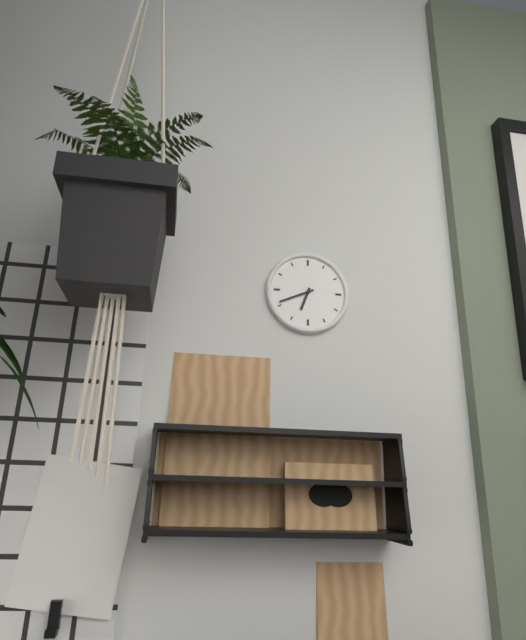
6:41
